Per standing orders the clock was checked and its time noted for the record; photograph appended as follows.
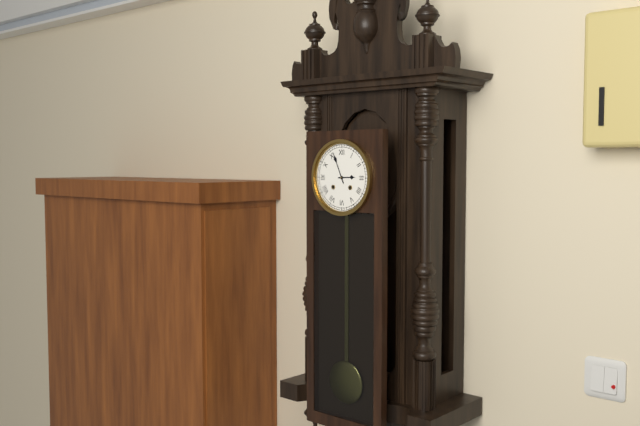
2:56
